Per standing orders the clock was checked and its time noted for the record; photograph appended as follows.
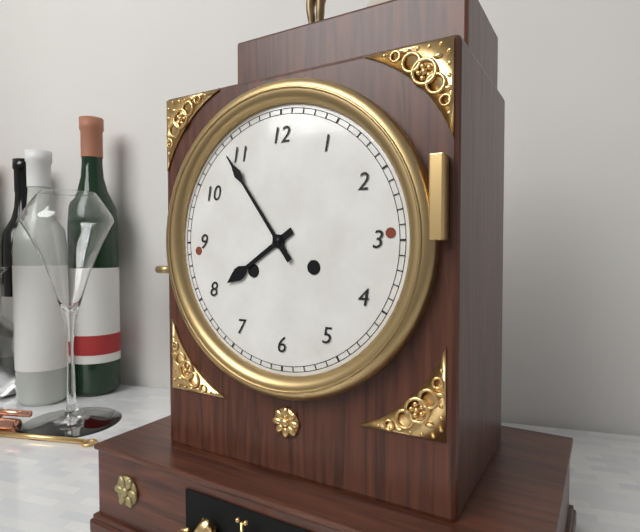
7:54
